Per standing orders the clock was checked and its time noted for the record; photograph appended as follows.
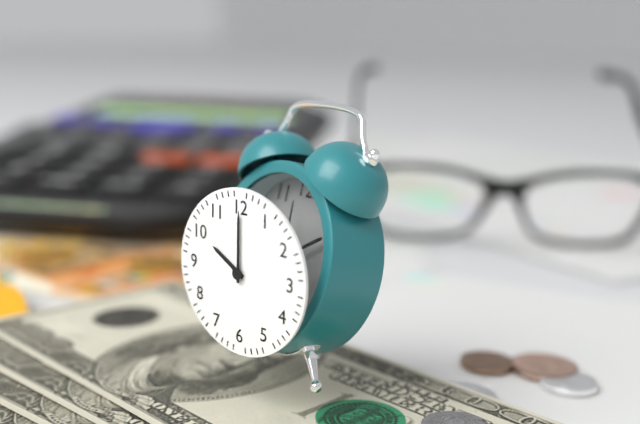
10:00
